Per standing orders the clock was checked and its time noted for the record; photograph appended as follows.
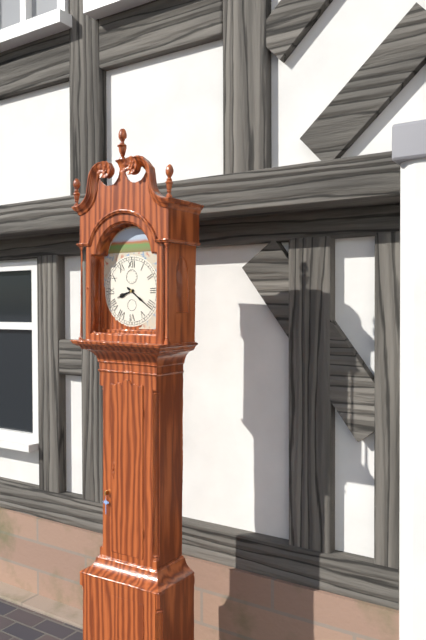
8:21
